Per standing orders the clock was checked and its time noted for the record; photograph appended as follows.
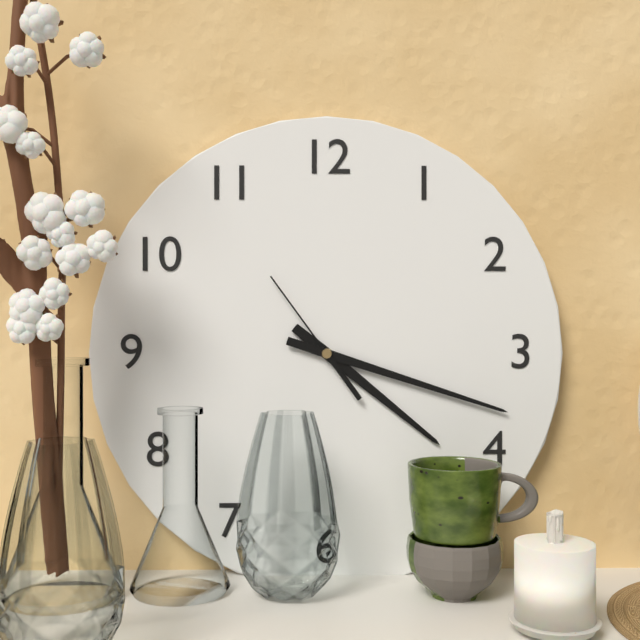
4:18:54
